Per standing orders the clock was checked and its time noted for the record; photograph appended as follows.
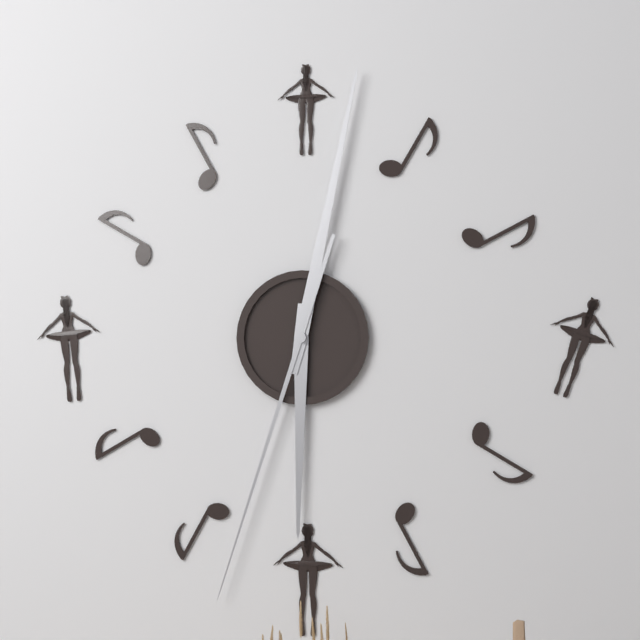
6:02:33
